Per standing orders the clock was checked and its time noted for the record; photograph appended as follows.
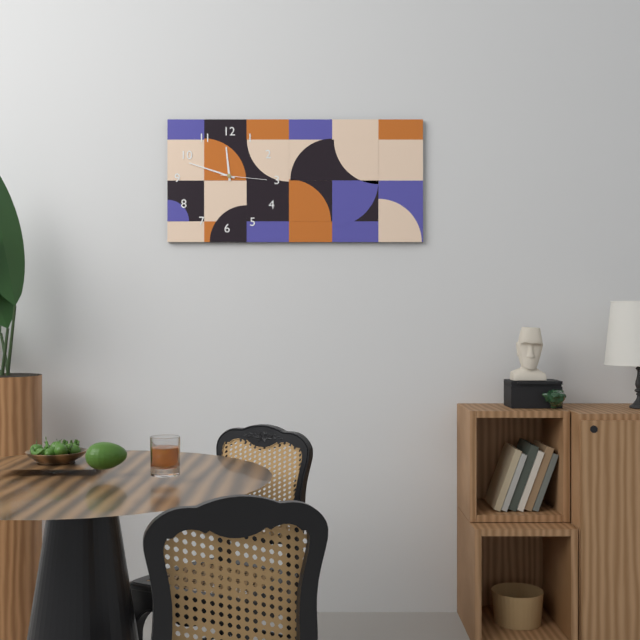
11:48
